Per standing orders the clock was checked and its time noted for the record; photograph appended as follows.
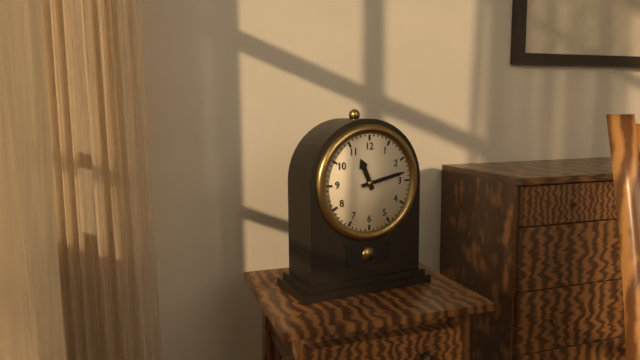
11:13
